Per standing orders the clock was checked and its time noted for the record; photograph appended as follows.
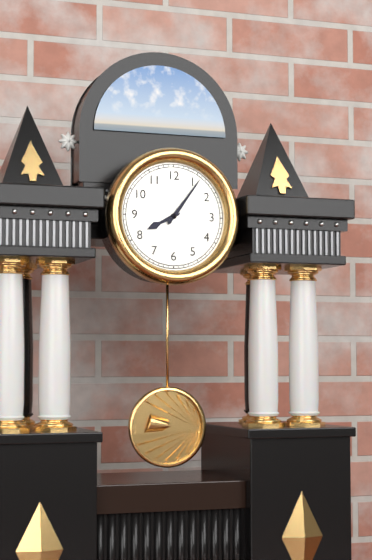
8:06
